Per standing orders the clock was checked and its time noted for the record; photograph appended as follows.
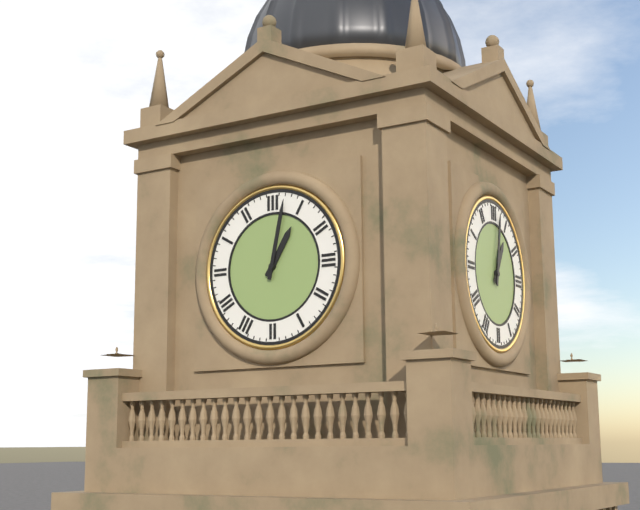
1:02
